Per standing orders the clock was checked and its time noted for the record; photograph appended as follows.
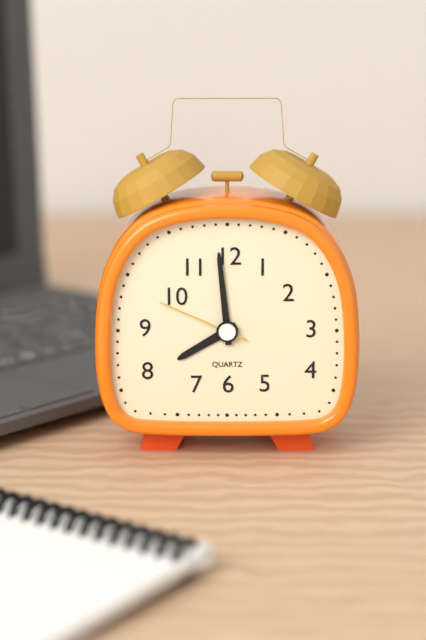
7:59:49
